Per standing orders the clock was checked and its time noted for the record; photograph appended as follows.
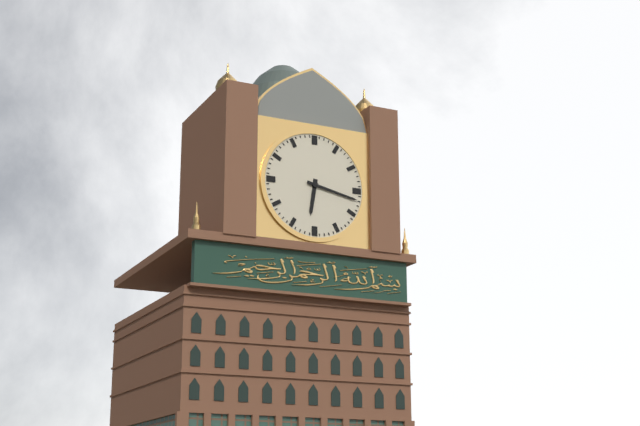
6:17
